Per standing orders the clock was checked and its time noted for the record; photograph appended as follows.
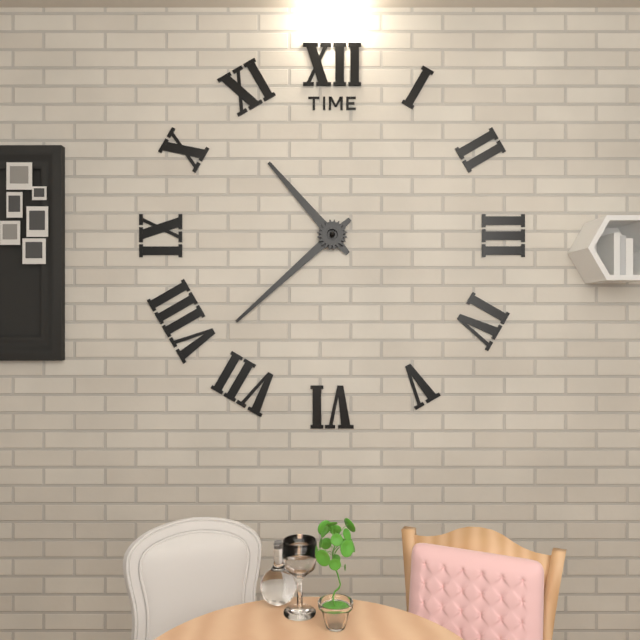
10:38
